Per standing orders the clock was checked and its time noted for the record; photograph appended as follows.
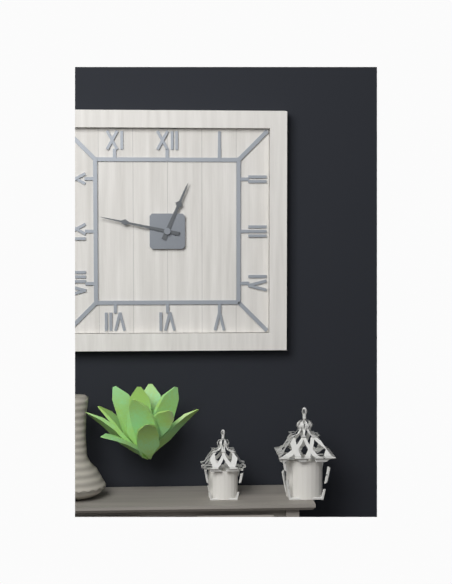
12:47
